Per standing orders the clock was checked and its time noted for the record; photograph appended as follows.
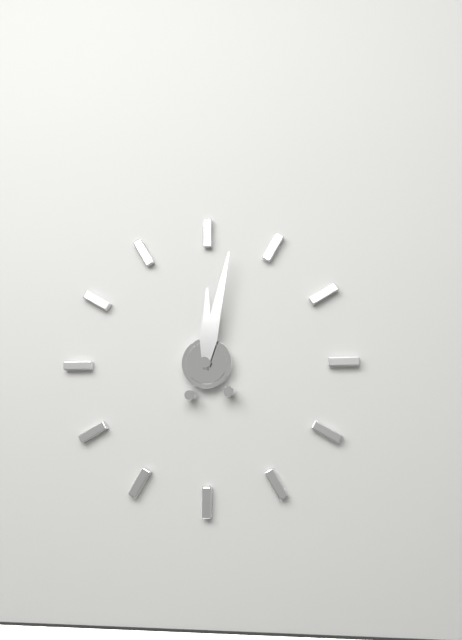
12:02
